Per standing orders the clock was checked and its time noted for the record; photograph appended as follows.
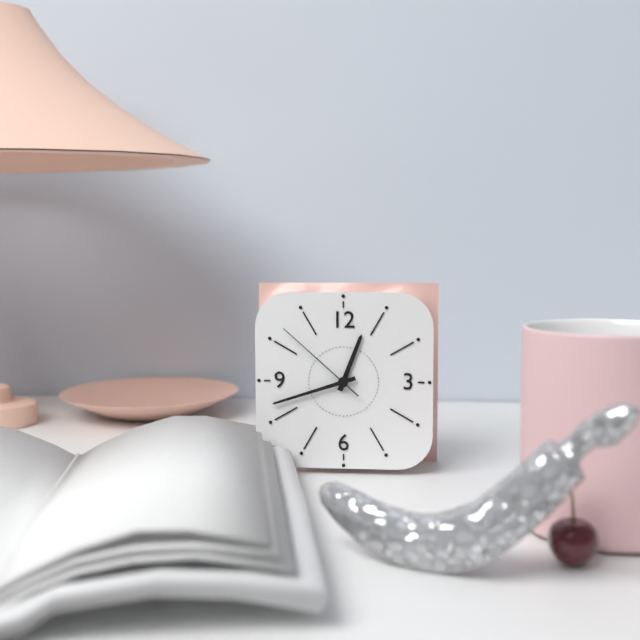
12:42:52
